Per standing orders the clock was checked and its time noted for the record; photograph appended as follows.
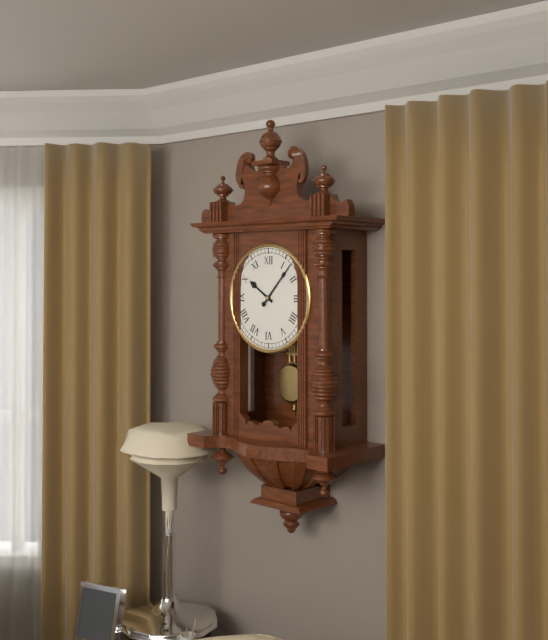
10:07
